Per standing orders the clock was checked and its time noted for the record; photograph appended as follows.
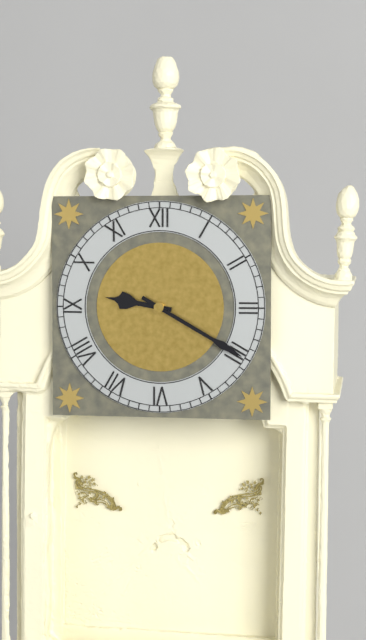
9:20
